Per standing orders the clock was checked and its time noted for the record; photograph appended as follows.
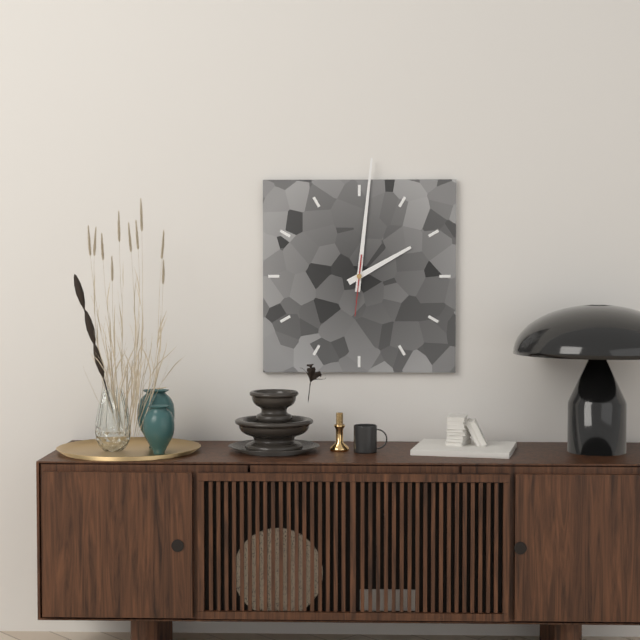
2:01:31
